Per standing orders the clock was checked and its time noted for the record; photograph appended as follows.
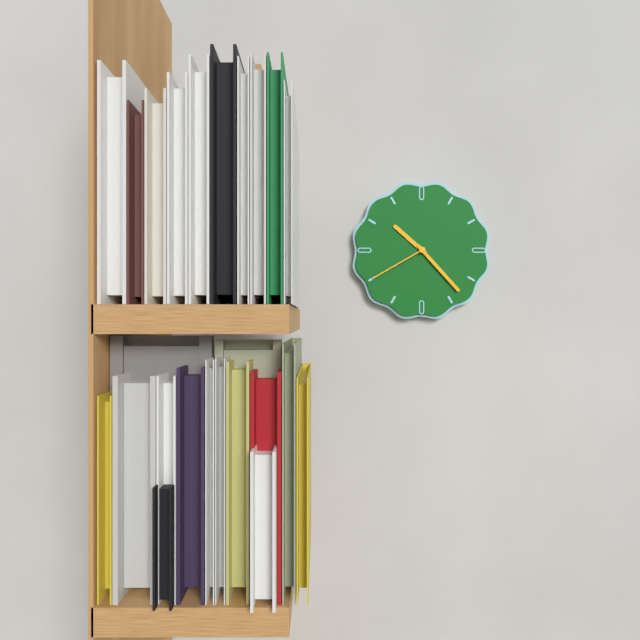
10:23:40
